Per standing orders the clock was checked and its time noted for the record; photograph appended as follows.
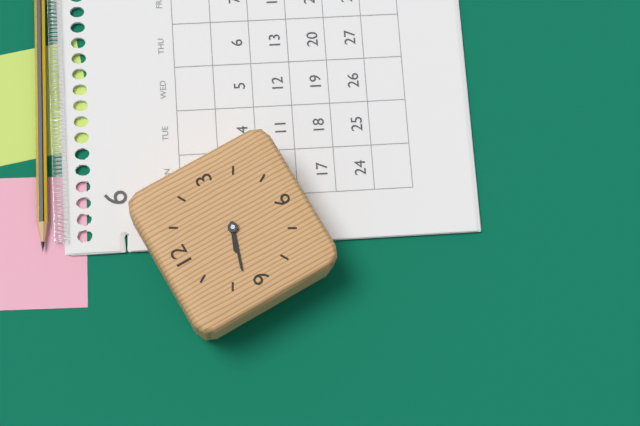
9:48
